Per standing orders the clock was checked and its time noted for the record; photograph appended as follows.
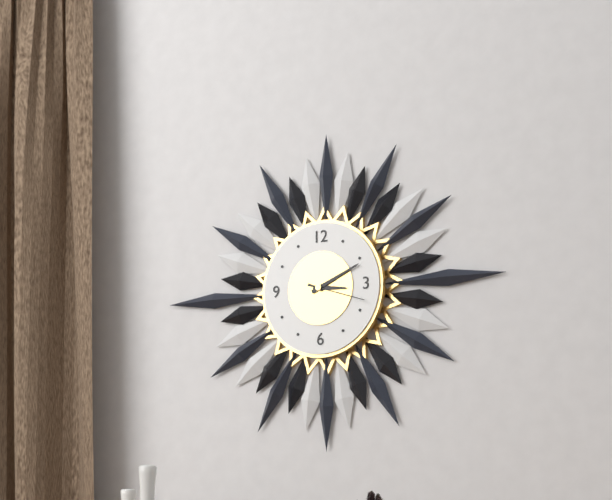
3:11:18
